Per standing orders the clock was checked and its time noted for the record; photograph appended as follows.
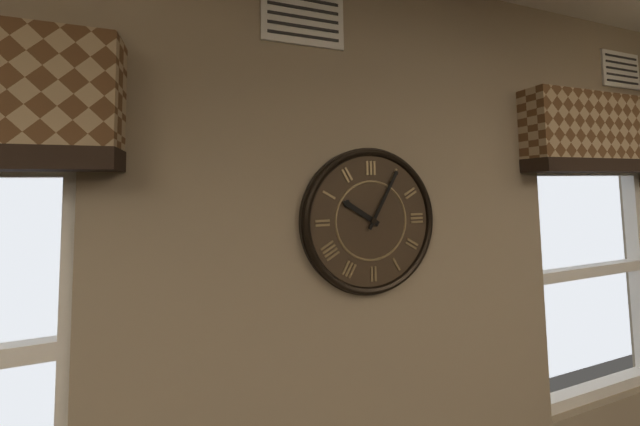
10:05
